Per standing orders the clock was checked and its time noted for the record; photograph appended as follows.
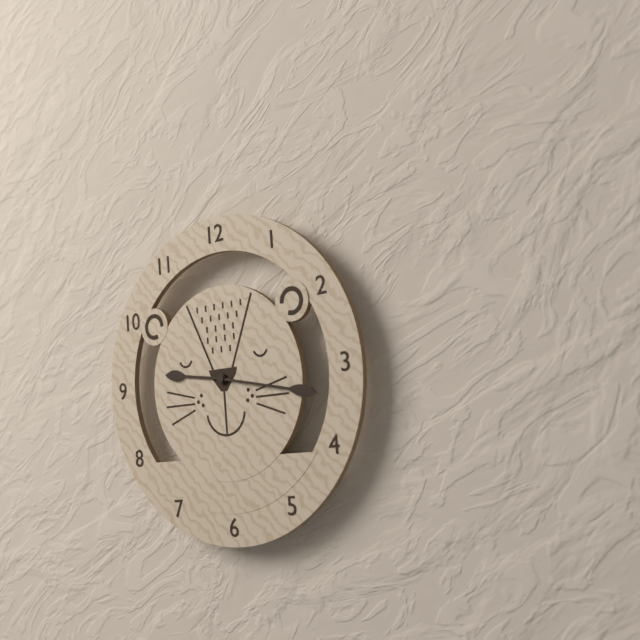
9:17
